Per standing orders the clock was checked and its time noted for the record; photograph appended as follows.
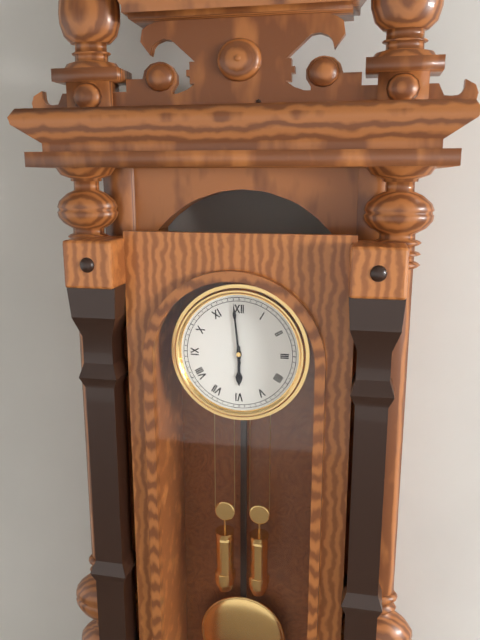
5:59
